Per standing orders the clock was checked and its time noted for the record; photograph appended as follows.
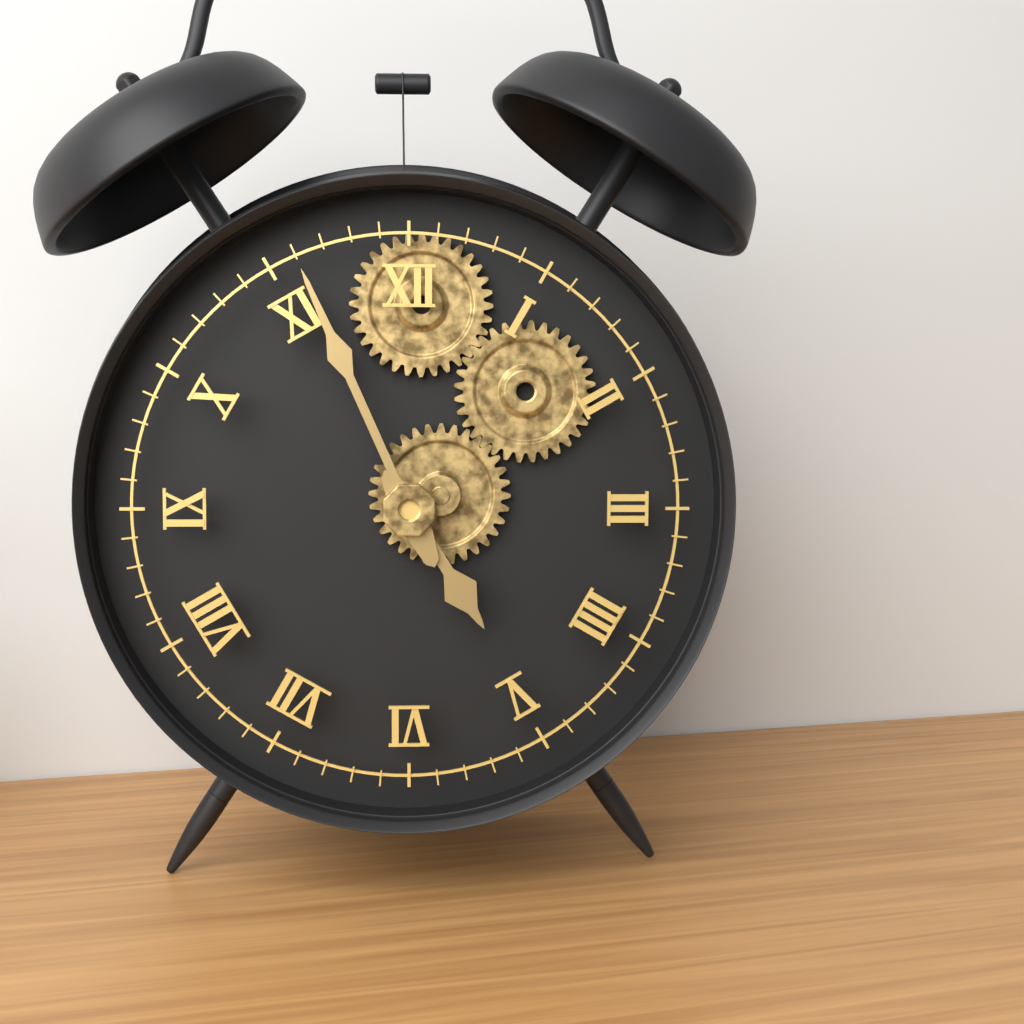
4:56
